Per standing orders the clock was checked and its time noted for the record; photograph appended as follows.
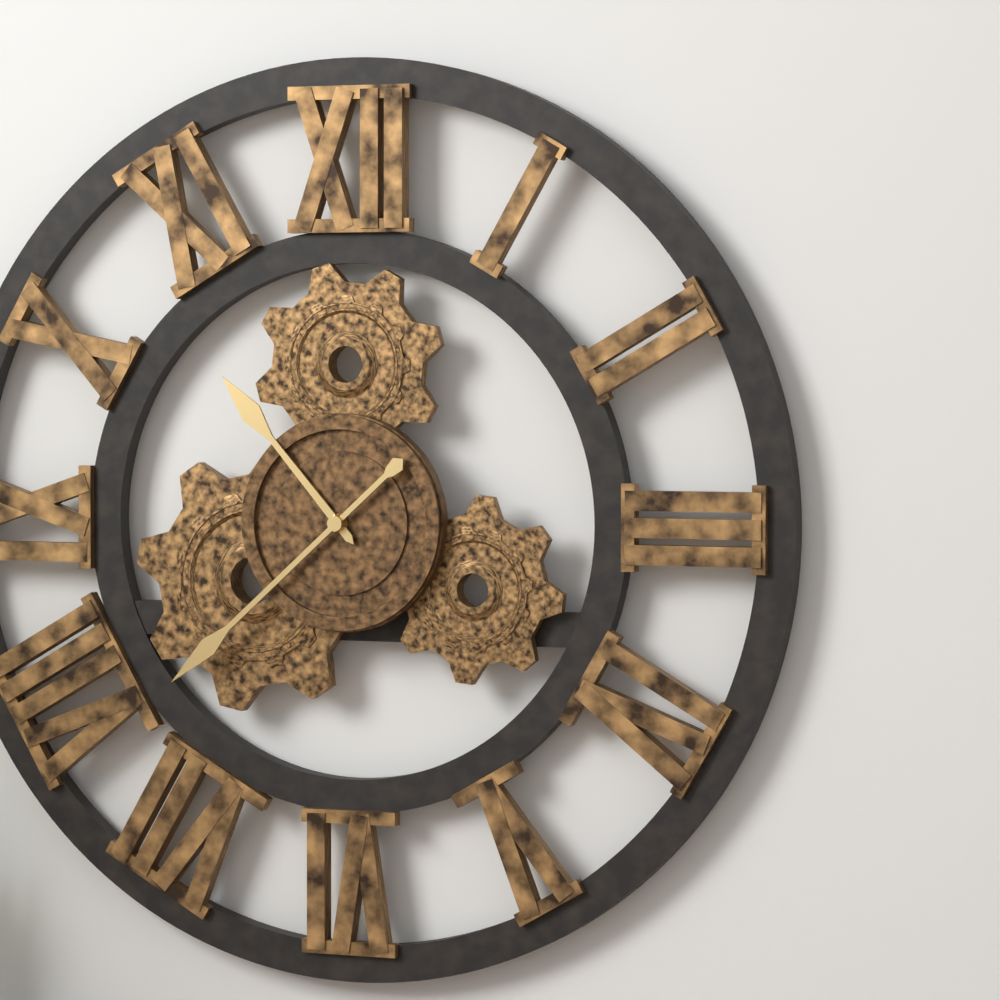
10:38
